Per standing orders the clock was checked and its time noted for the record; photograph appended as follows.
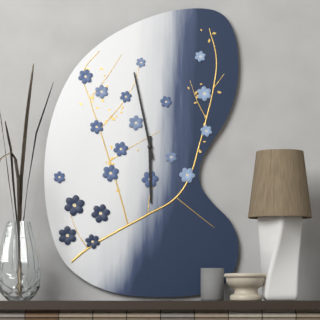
5:58
